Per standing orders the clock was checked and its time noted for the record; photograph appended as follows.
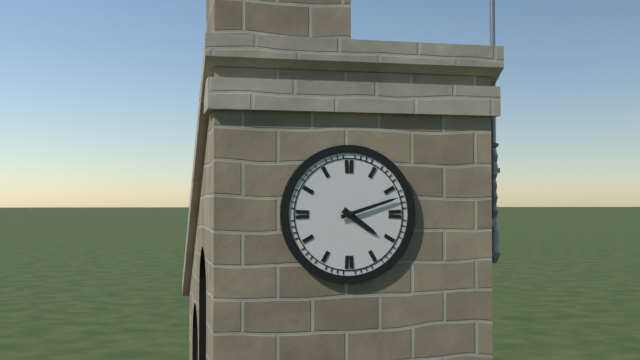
4:12
